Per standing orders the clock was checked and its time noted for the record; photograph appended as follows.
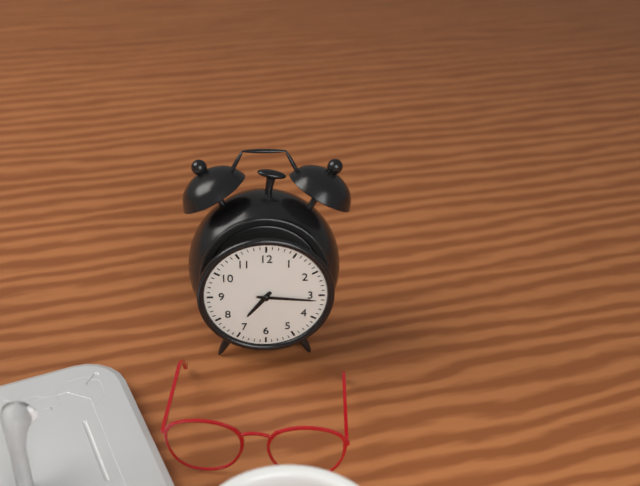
7:16
